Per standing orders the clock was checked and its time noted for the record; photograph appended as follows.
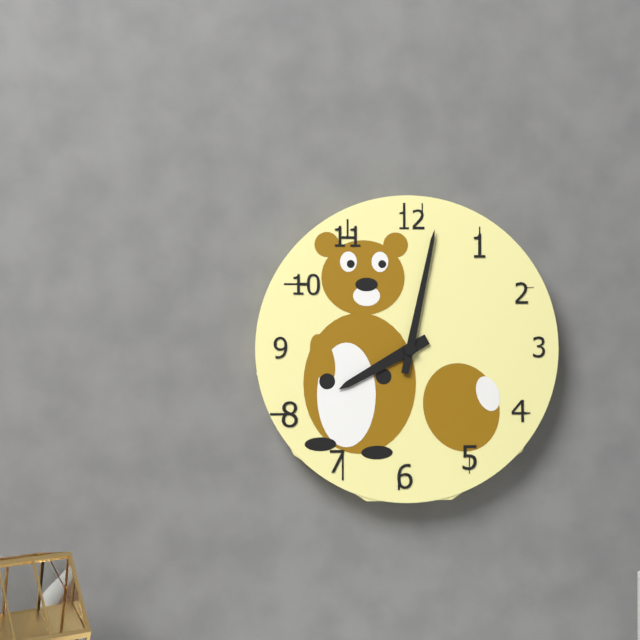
8:02
